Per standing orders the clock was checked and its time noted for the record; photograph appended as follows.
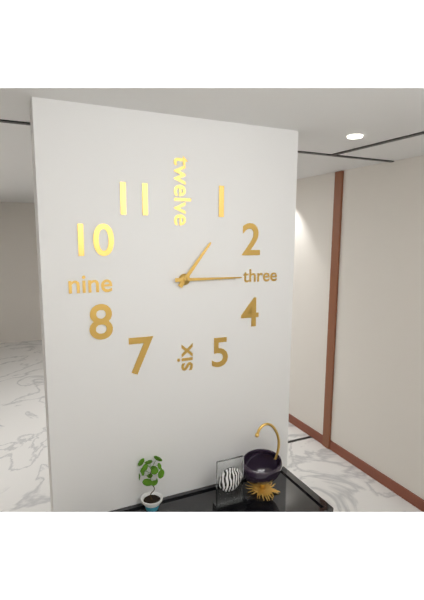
1:15
